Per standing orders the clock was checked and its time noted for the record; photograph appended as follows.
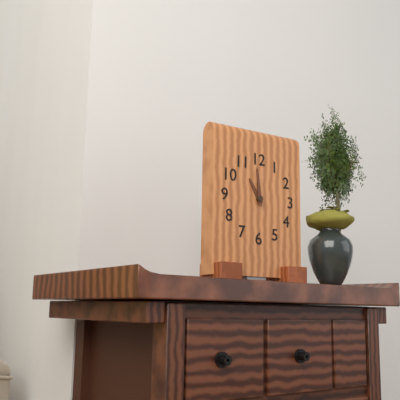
10:59
